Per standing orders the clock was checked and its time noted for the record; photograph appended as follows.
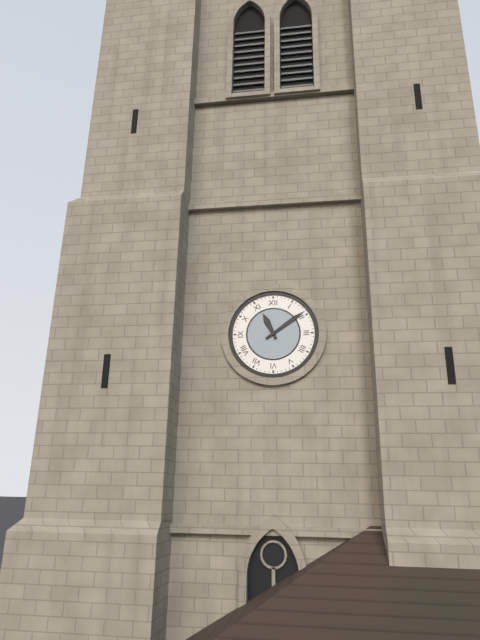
11:09
